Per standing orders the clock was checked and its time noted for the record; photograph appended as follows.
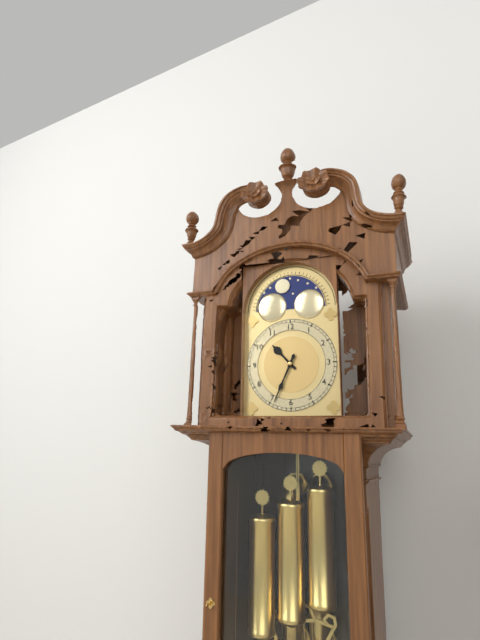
10:34
